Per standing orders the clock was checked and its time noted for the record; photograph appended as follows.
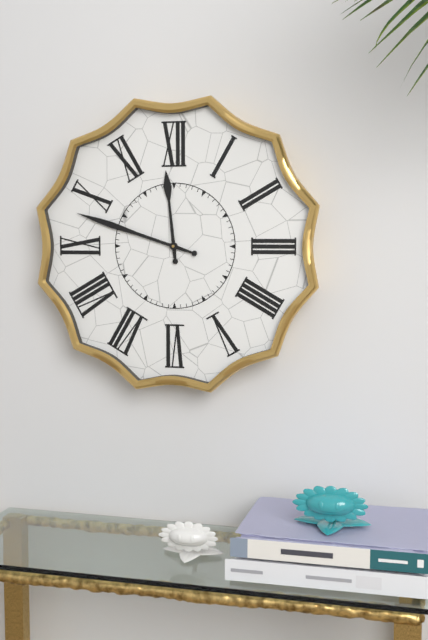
11:48
